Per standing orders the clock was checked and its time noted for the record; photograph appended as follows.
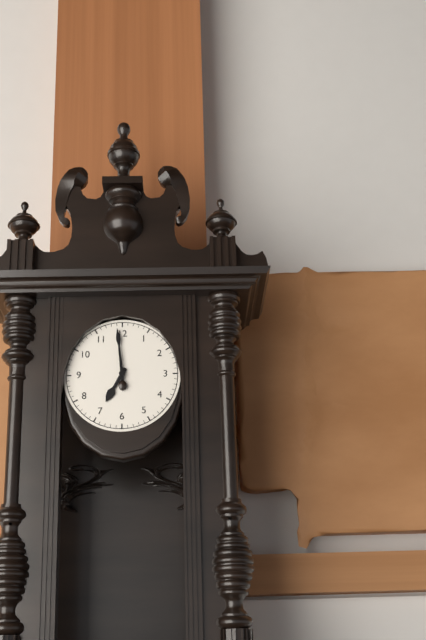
6:59
